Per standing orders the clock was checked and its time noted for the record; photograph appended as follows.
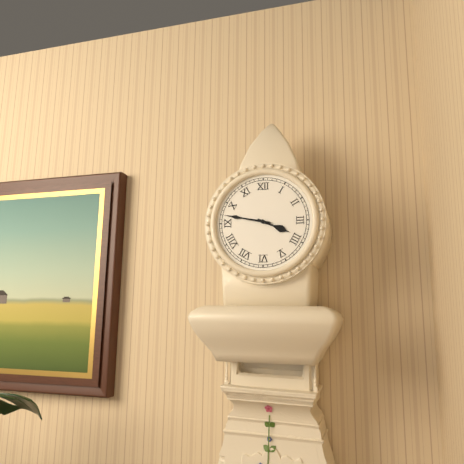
3:47
